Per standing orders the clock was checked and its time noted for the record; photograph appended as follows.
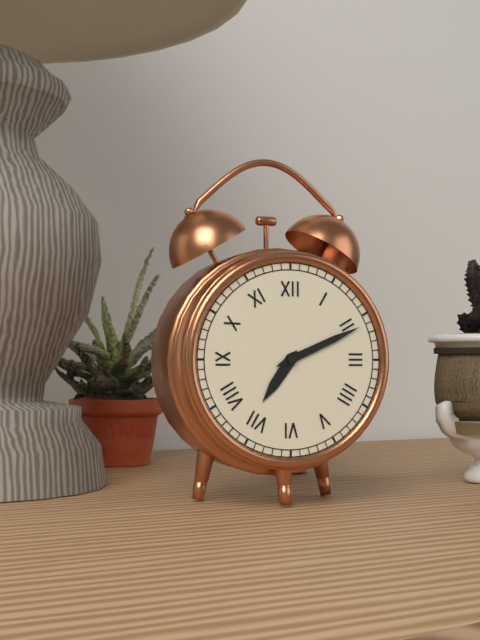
7:11
